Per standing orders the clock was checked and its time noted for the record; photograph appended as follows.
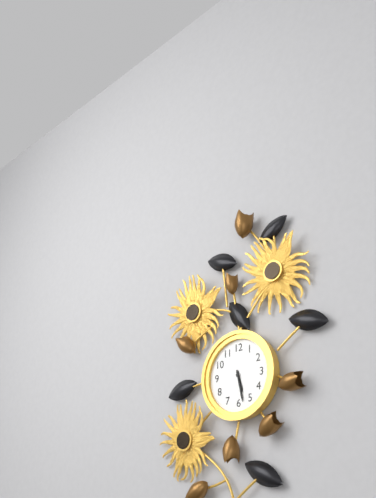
5:28
